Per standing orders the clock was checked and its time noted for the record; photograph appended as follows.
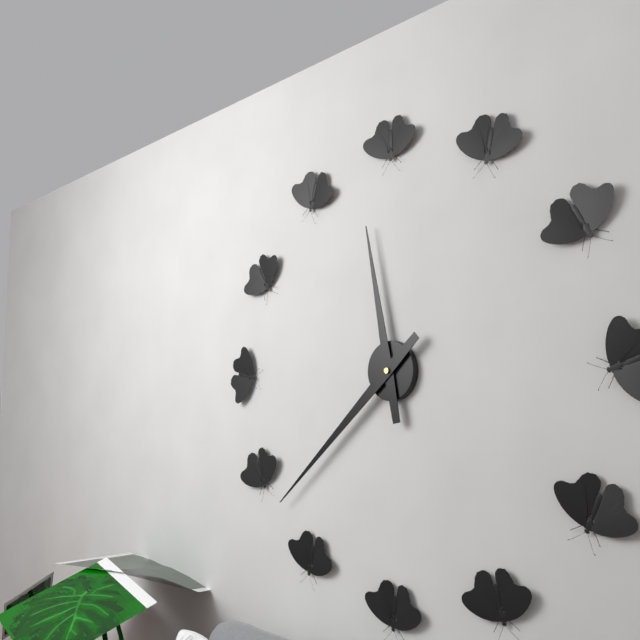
11:38
